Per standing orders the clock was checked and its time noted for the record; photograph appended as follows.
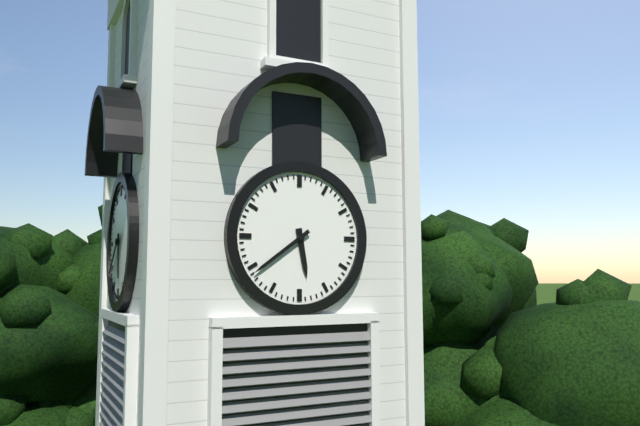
5:39
